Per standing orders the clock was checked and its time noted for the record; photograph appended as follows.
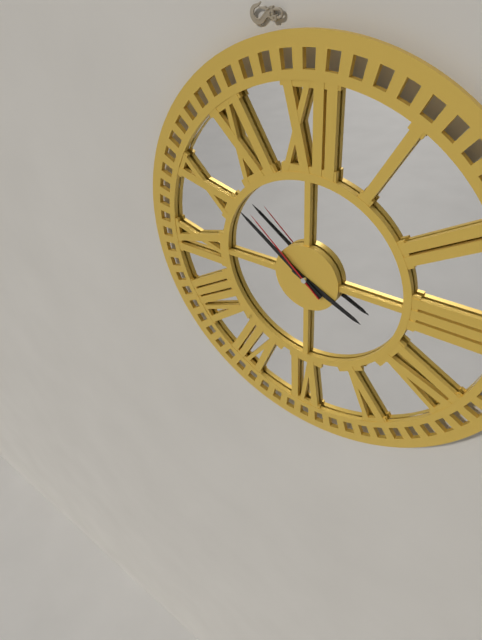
3:51:52
